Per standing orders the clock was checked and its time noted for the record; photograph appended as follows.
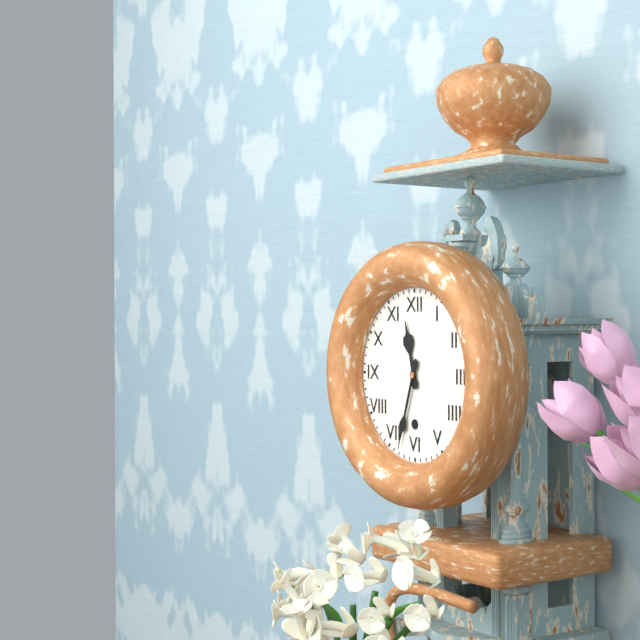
11:33
